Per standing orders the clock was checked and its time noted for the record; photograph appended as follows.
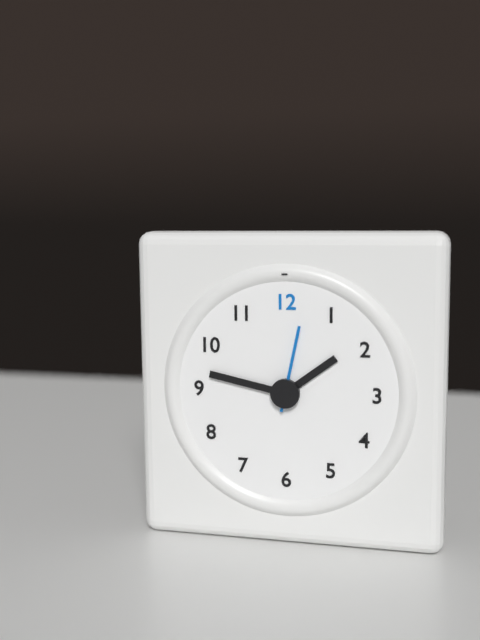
1:47:02
